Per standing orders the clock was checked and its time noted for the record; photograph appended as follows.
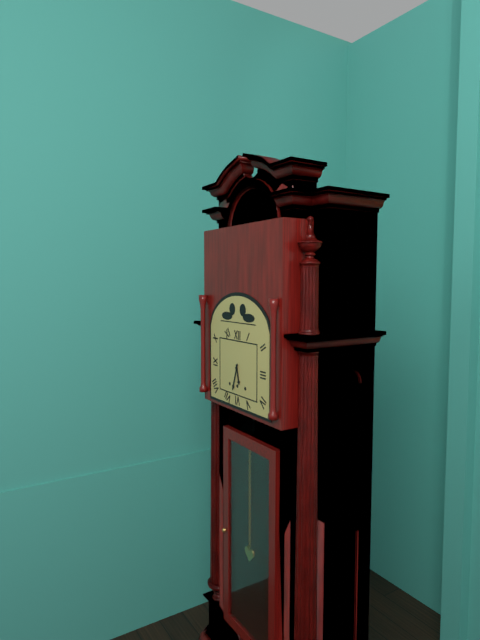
5:33
